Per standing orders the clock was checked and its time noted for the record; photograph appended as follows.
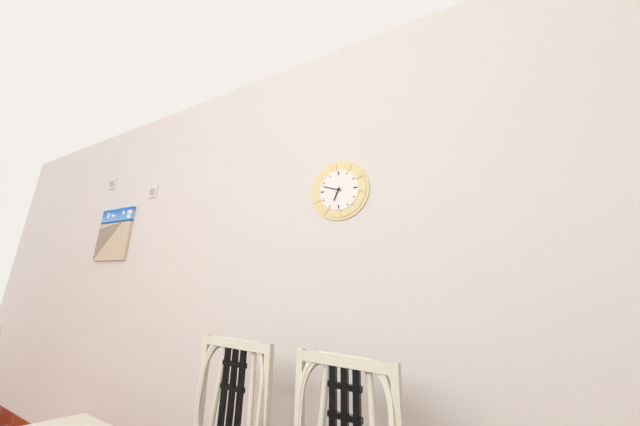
6:48
